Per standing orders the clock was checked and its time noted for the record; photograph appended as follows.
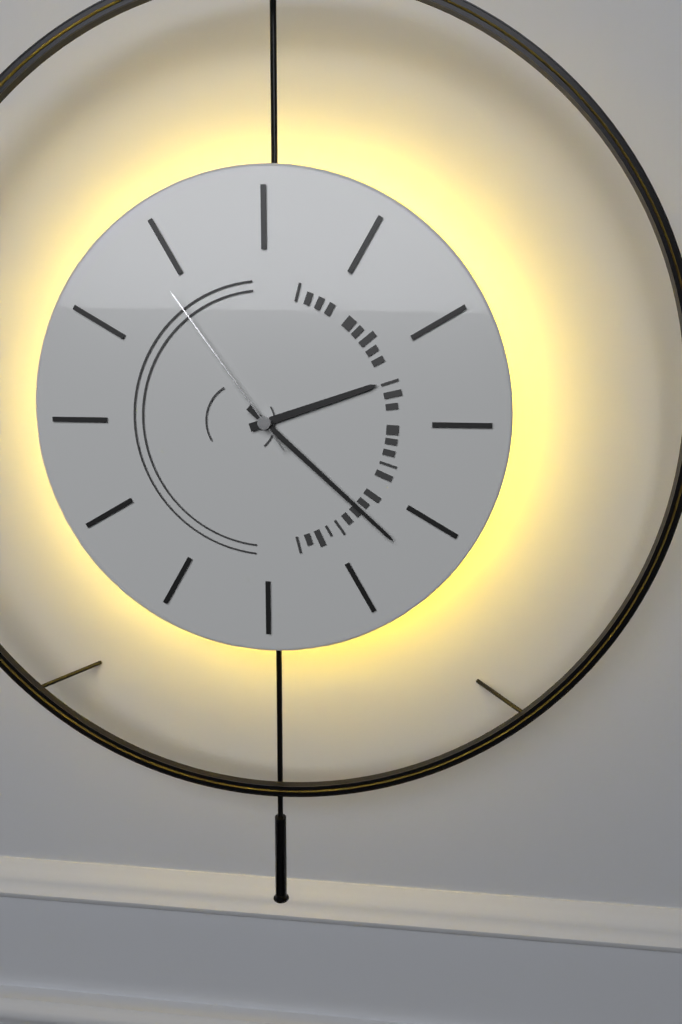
2:22:54
